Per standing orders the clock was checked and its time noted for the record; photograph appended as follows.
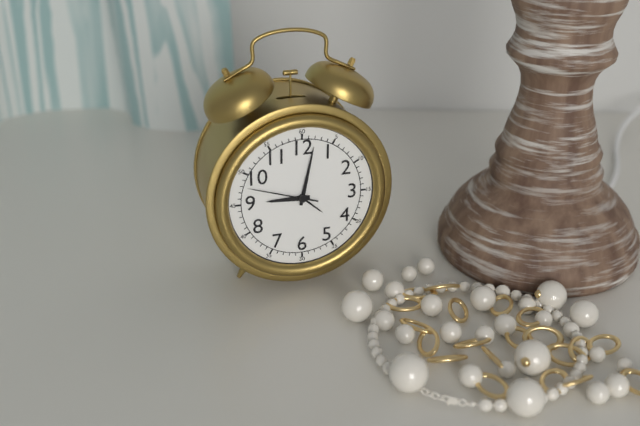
9:02:48
